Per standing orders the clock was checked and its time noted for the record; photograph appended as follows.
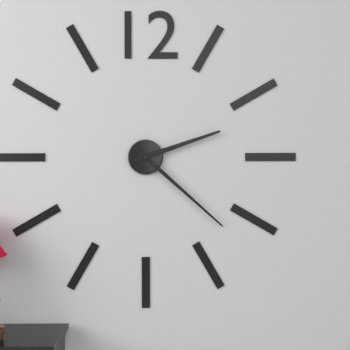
2:22
